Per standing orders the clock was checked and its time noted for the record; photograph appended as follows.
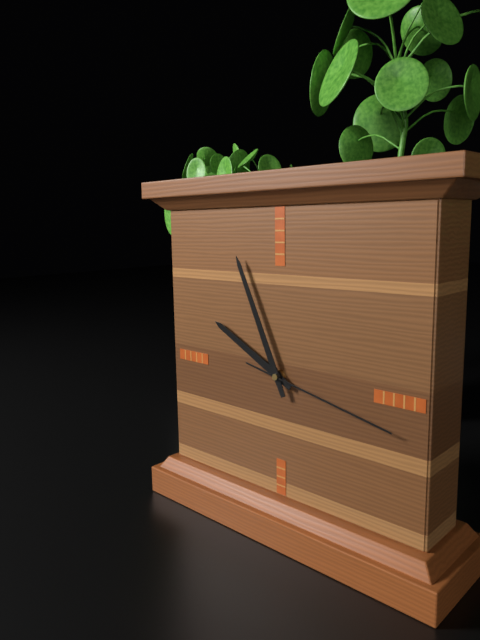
9:56:17
